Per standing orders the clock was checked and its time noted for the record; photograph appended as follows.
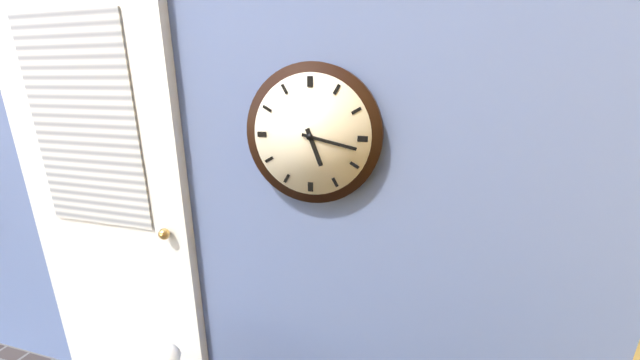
5:17
